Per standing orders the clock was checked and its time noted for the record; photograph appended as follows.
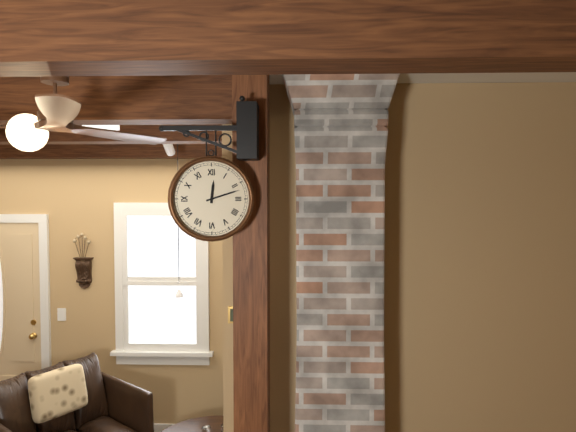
12:12
